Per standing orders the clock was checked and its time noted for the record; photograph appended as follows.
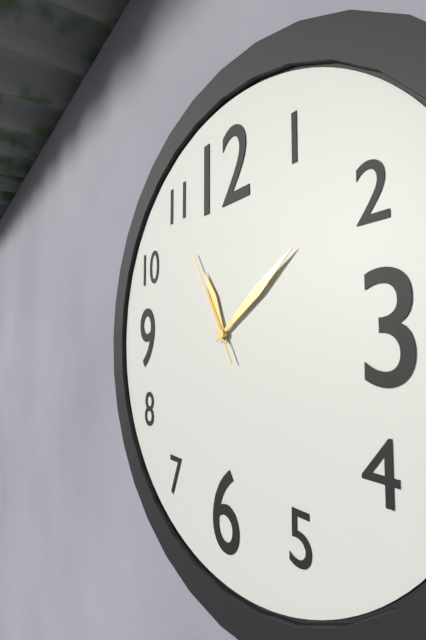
11:09:55
